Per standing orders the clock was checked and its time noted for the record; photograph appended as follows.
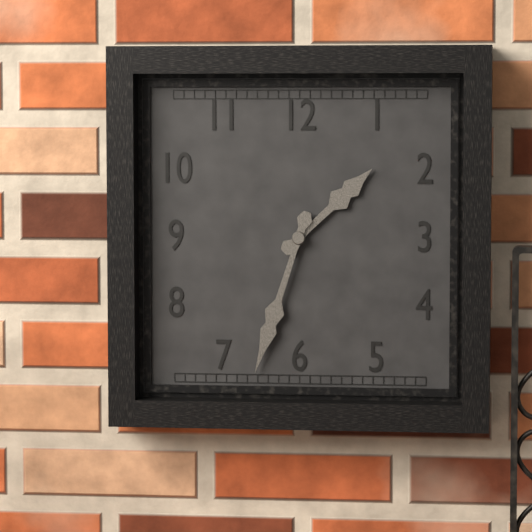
1:33
